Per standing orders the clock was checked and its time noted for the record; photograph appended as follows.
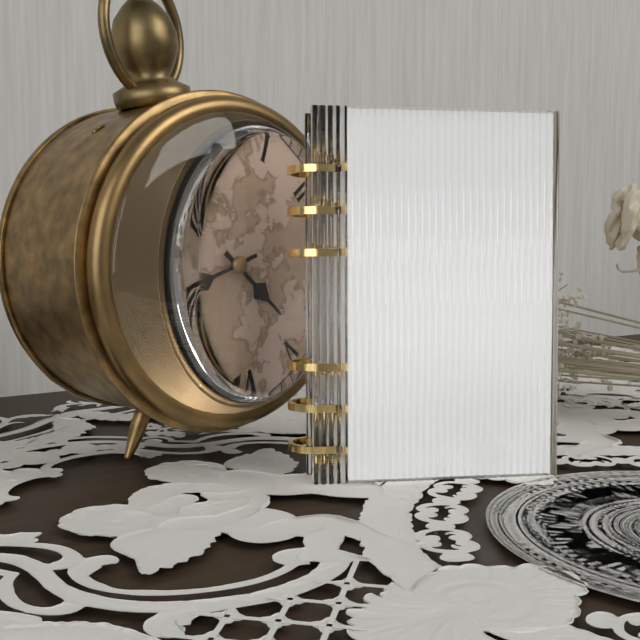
4:43
